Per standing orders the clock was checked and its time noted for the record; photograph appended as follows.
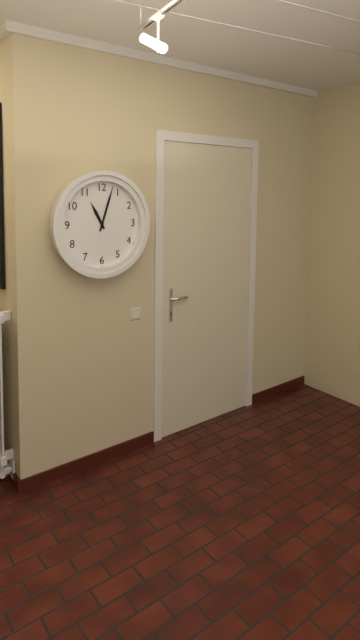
11:03
